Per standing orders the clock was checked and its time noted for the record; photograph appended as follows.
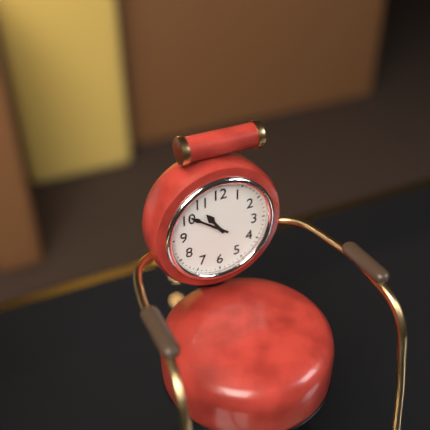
10:51
